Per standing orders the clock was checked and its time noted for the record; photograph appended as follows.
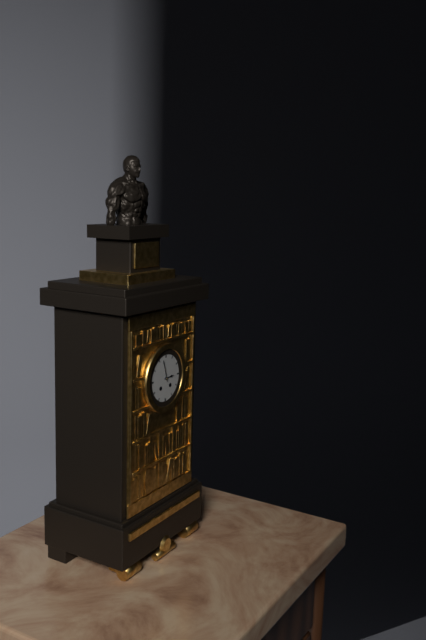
2:57
